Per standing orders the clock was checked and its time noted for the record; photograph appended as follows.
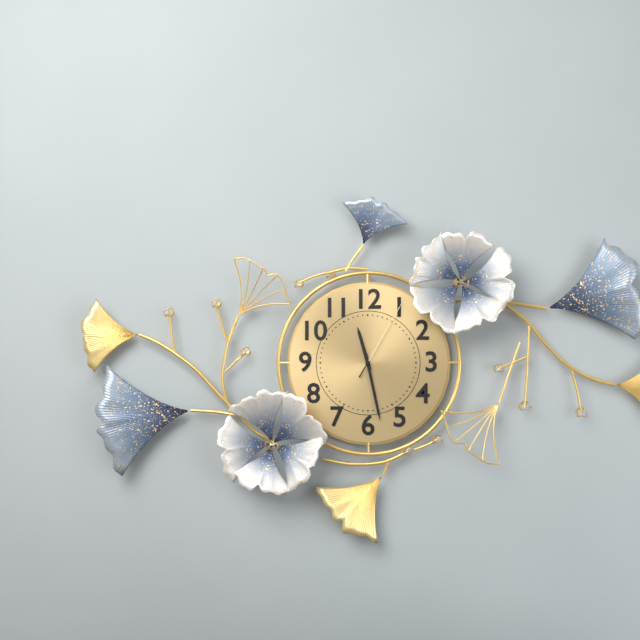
11:28:05
